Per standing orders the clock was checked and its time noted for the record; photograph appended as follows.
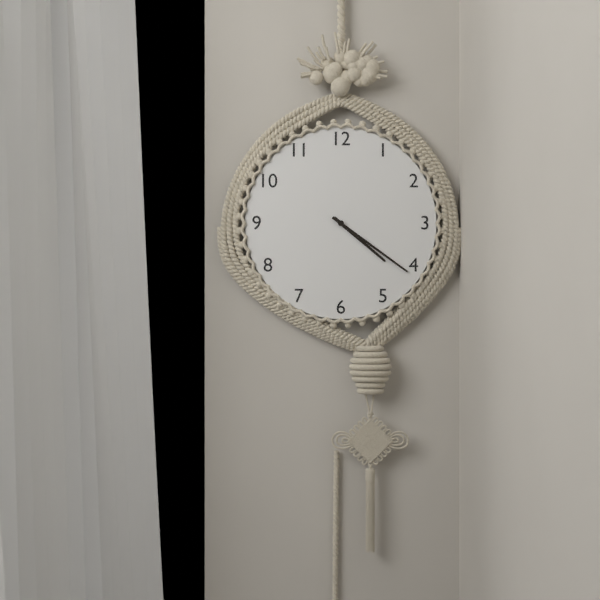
4:21
